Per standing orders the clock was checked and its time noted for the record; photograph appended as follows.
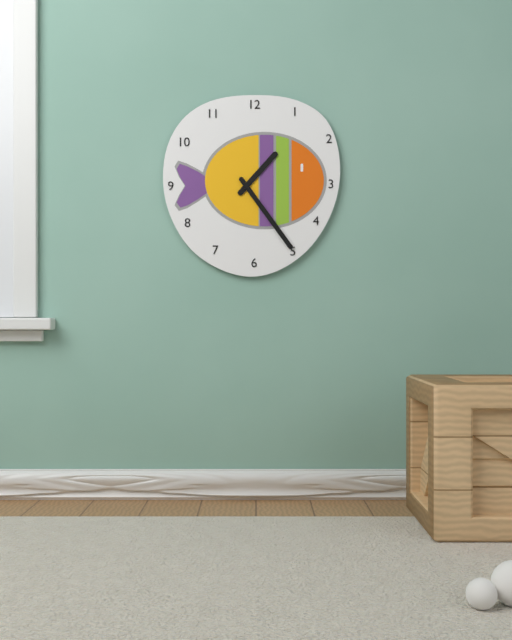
1:24
